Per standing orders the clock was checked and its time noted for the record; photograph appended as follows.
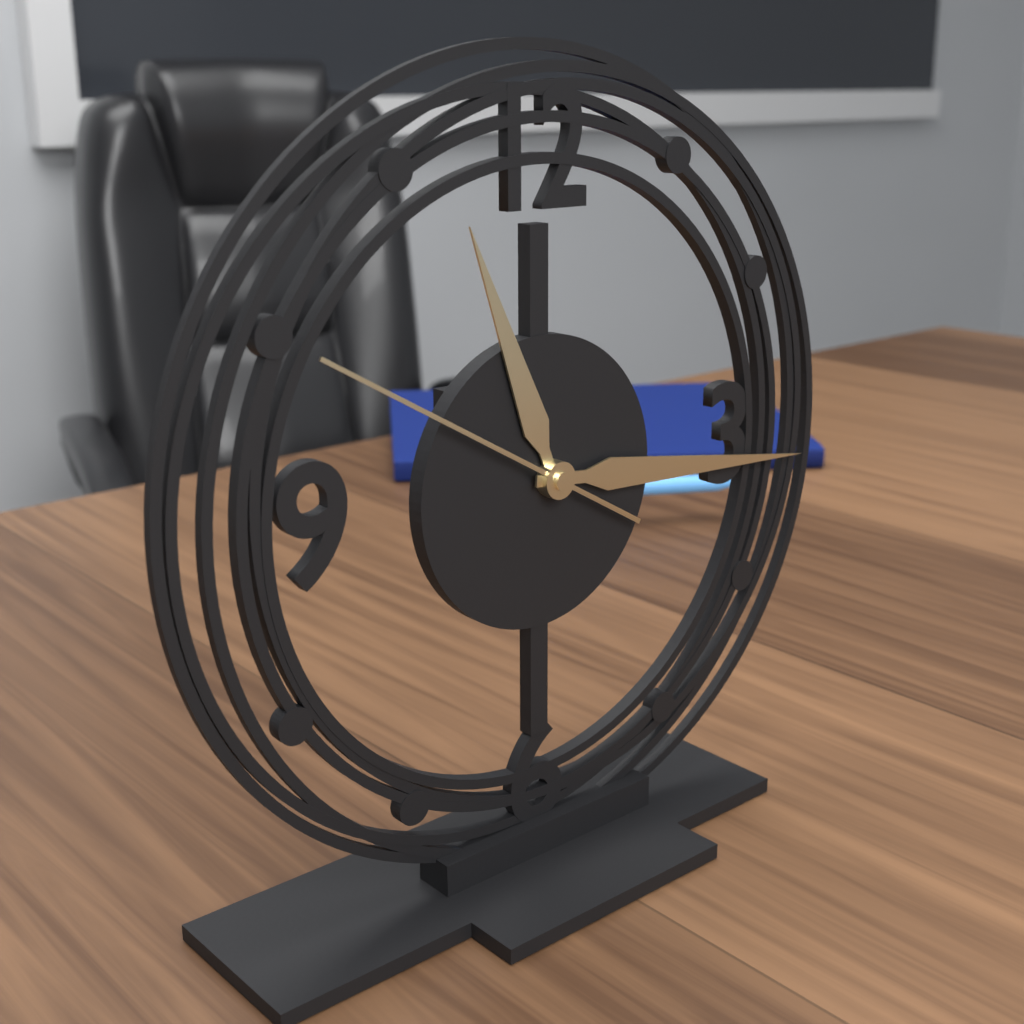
11:16:50
